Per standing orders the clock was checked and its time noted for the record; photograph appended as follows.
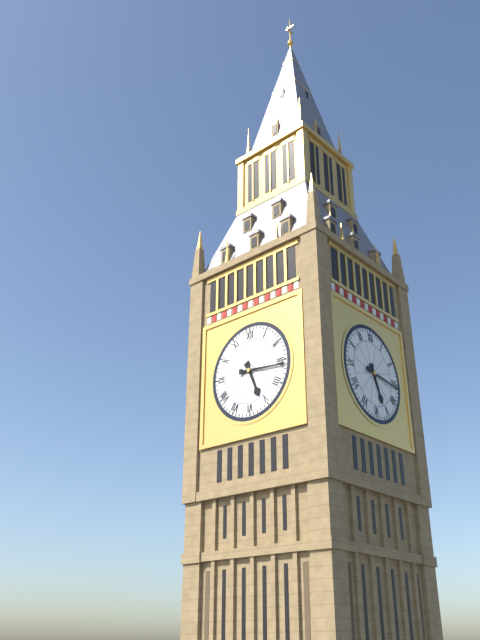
5:16
